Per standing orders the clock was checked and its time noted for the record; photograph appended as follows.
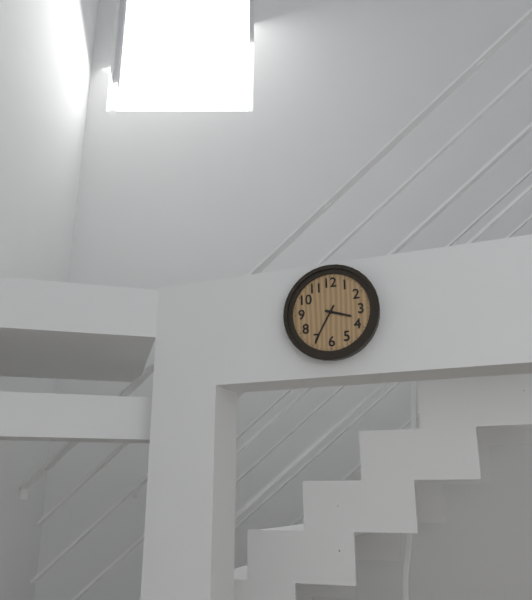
3:35
